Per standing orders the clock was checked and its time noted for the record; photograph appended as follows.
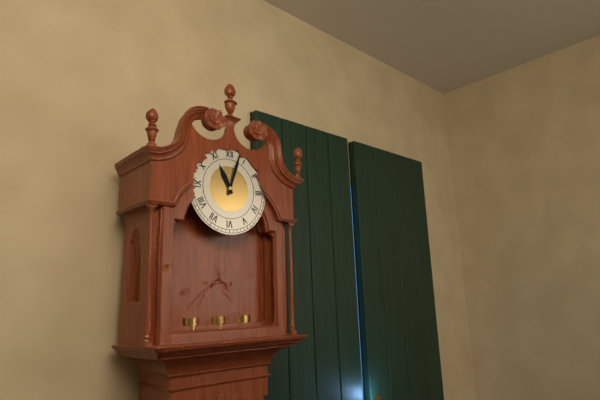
11:03
